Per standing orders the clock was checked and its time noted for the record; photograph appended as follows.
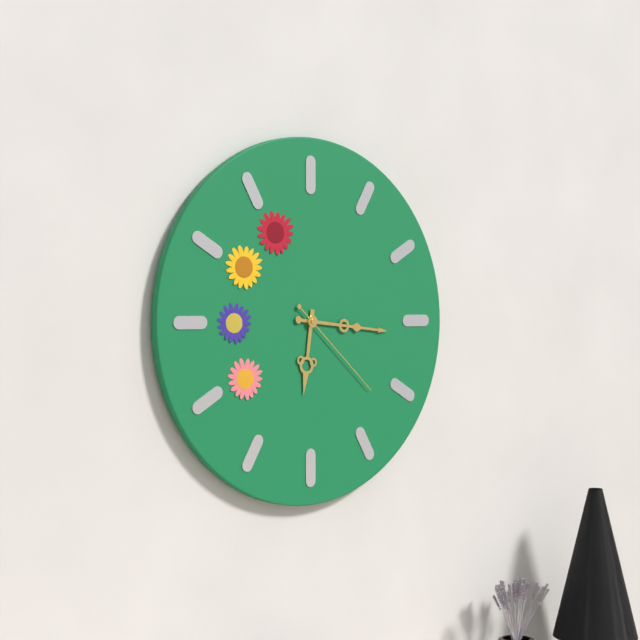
6:16:22
